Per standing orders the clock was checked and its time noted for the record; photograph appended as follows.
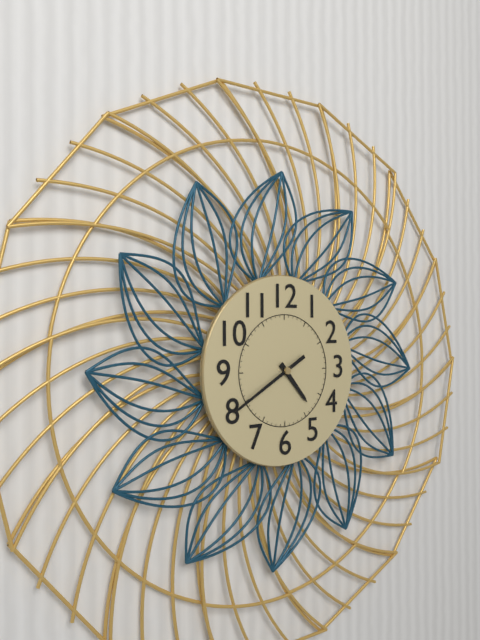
4:40
